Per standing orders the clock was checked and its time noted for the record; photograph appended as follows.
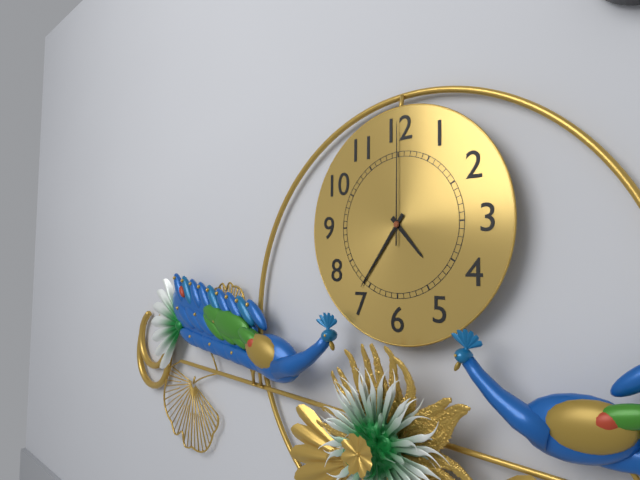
4:36:00
